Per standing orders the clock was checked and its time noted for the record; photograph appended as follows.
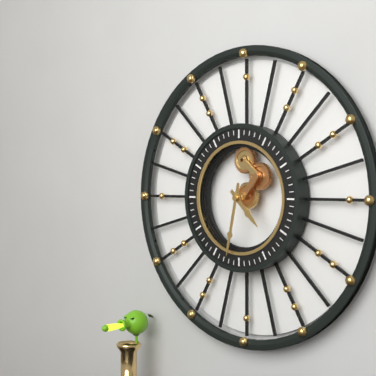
4:32
